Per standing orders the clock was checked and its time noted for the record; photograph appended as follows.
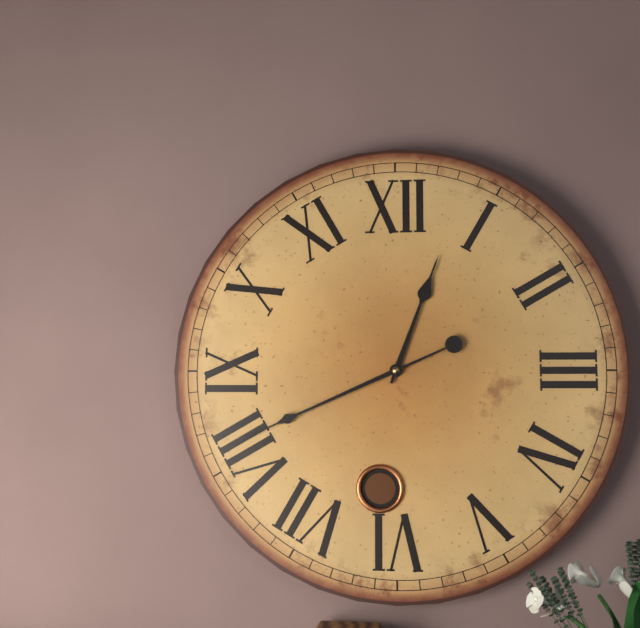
12:41
